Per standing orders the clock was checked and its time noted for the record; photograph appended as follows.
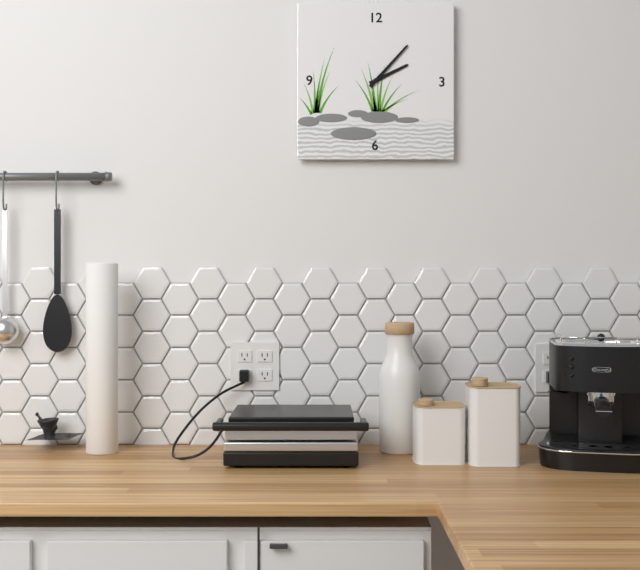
2:07
